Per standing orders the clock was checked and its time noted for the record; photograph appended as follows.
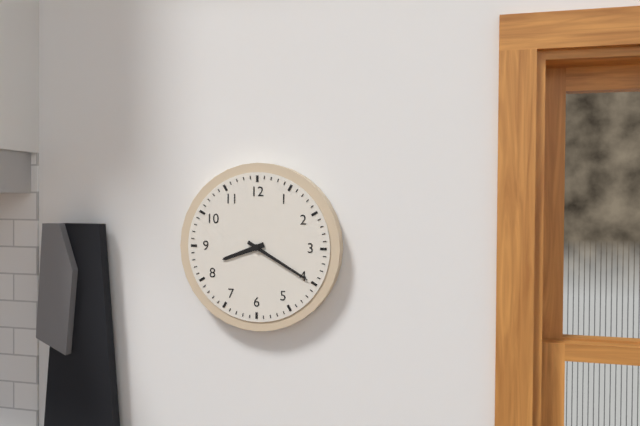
8:20
